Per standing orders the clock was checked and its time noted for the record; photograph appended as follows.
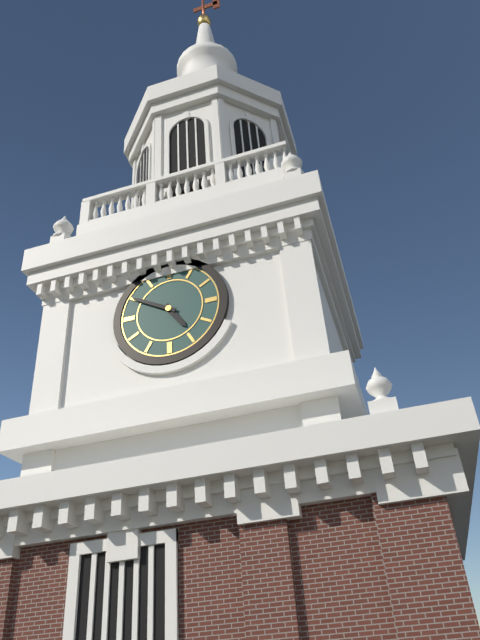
4:50
